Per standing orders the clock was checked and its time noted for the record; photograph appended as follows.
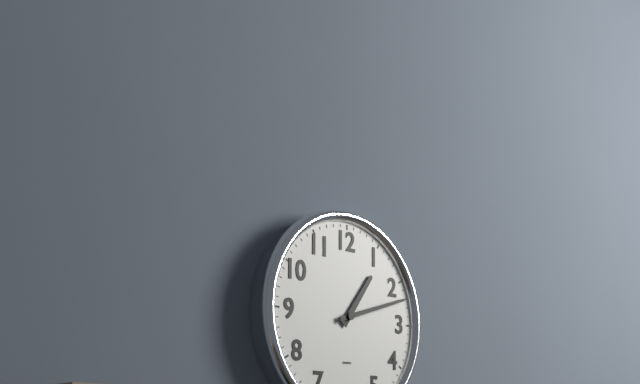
1:12
